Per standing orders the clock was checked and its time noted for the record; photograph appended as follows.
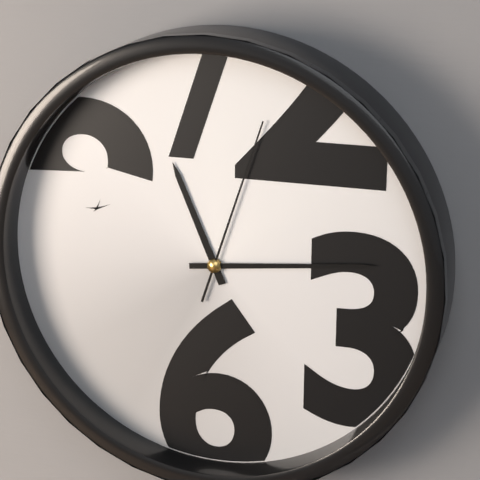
11:14:03
